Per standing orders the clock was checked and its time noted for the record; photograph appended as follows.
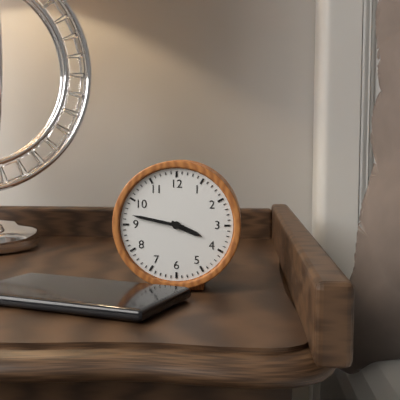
3:47
